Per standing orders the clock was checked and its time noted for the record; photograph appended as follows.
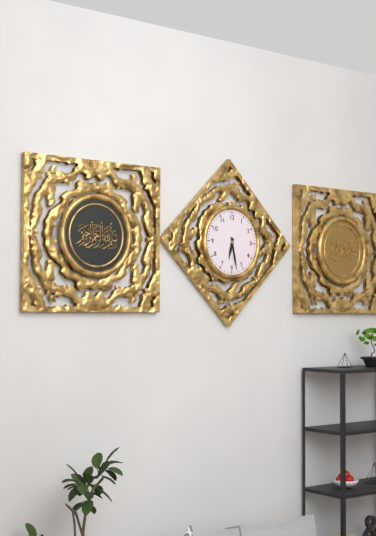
6:28
